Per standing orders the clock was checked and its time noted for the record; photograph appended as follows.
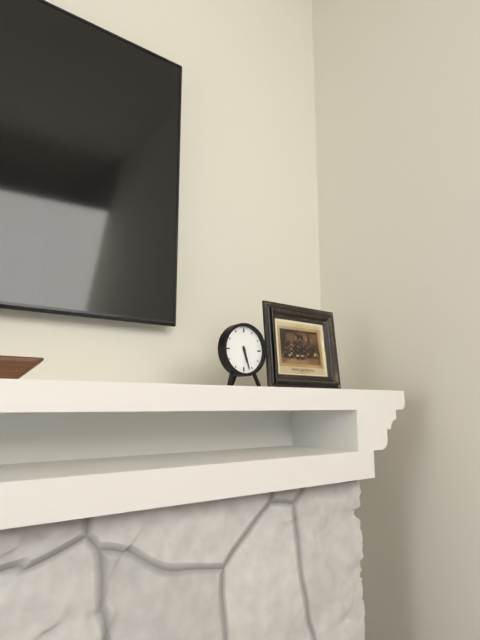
5:27
